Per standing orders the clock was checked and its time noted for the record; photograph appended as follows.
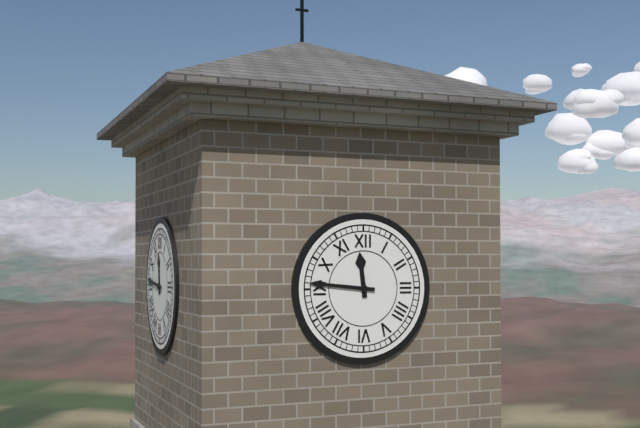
11:46
